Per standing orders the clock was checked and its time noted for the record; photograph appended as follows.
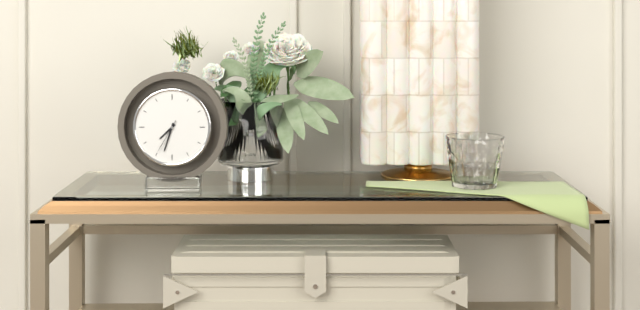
7:33
